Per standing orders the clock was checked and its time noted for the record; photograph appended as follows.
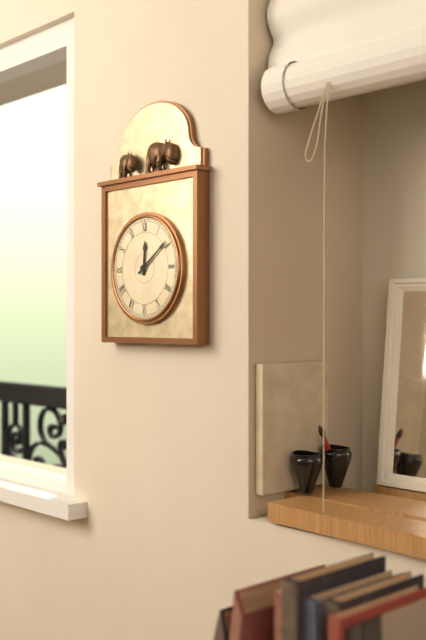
12:09
